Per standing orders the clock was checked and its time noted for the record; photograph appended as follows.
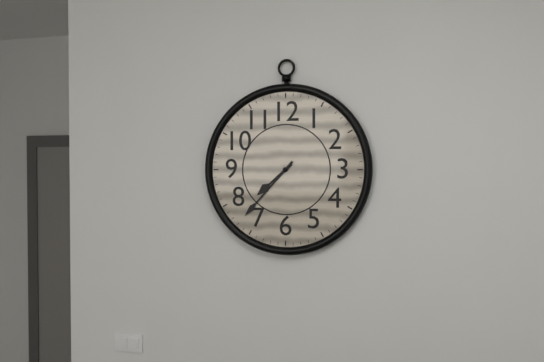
7:37
